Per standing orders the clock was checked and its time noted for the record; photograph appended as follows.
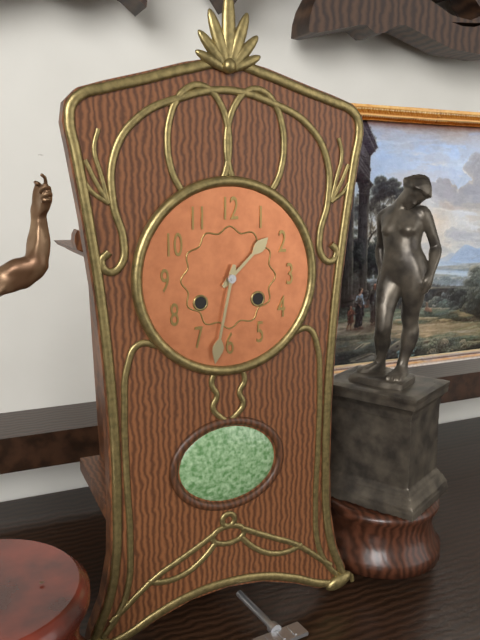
1:32
